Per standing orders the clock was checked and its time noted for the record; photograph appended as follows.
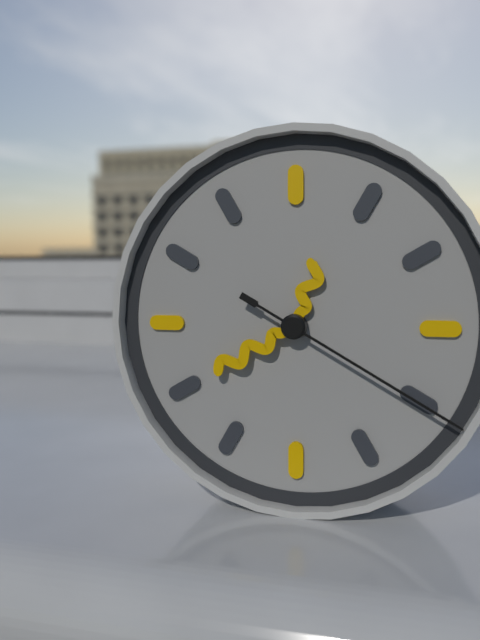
12:40:20
